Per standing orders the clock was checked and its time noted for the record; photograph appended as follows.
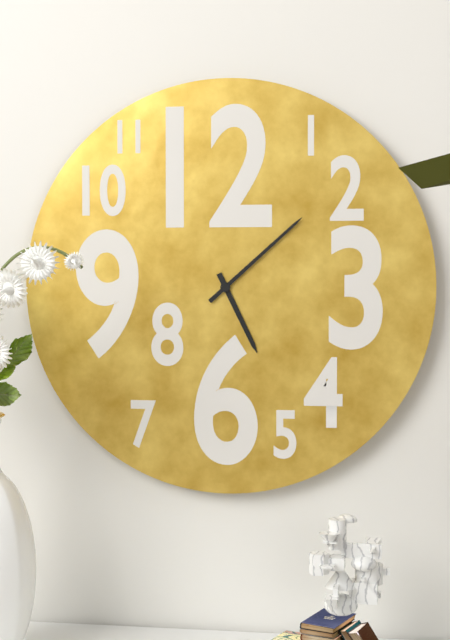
5:08
